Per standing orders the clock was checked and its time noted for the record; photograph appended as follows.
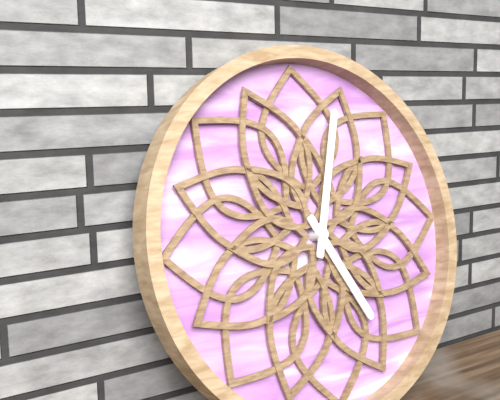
5:03
